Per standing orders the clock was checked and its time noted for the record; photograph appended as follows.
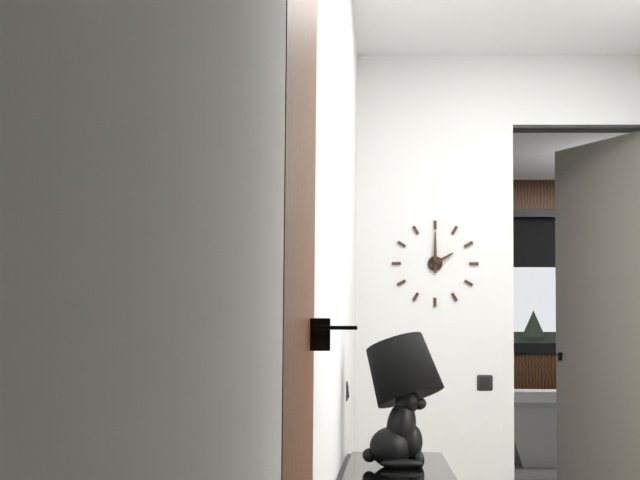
2:00
